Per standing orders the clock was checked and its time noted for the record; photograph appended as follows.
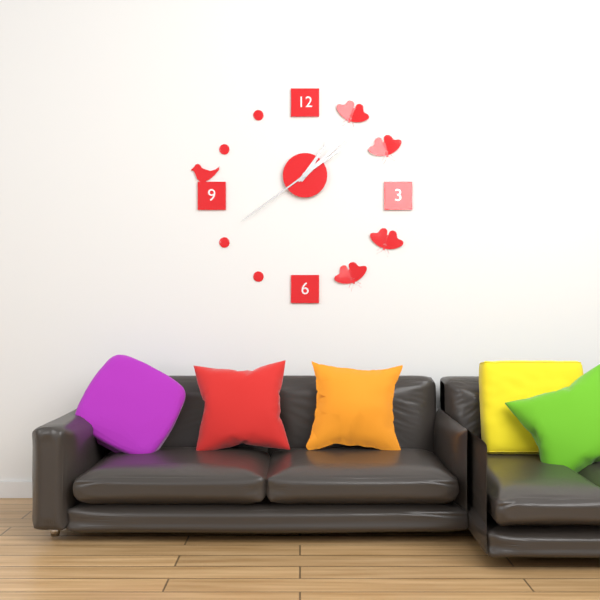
1:08:39
